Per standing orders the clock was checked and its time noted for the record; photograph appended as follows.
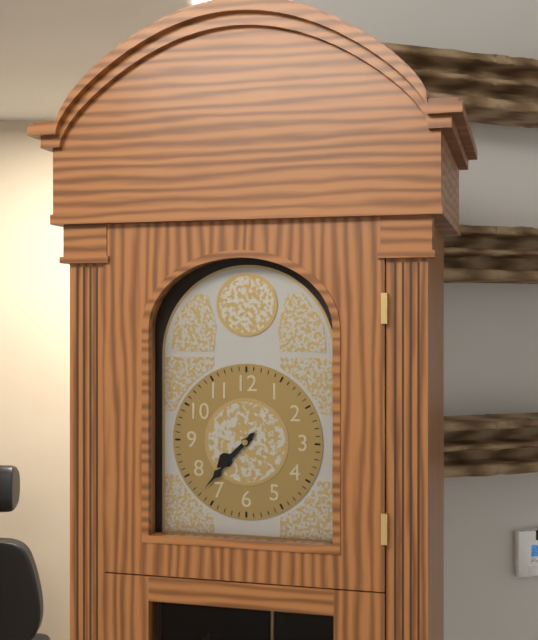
7:37
